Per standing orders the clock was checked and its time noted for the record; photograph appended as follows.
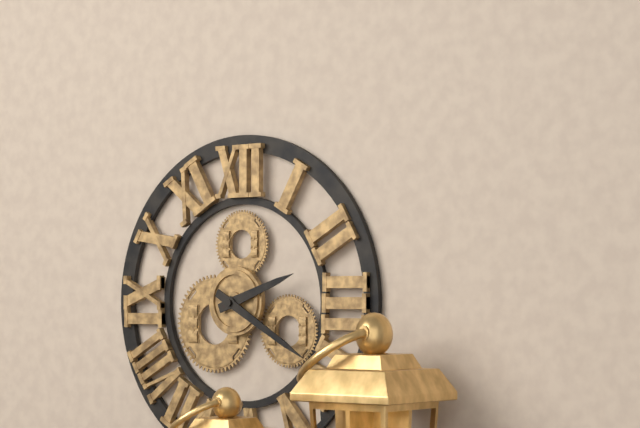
2:20
